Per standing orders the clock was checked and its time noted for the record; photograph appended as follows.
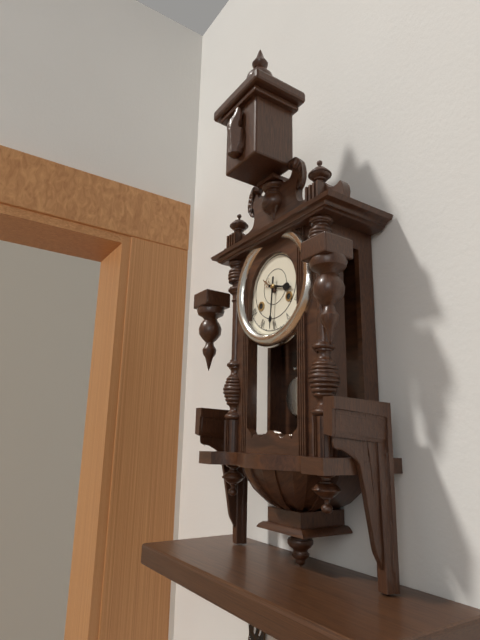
3:31
